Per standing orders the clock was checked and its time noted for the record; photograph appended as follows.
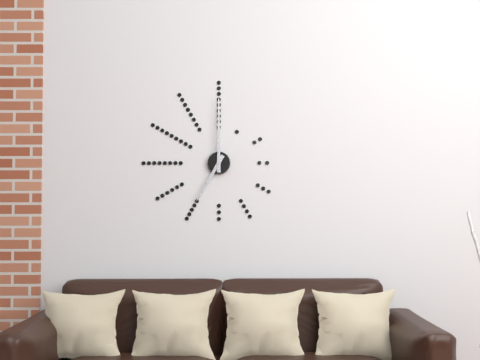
7:00
